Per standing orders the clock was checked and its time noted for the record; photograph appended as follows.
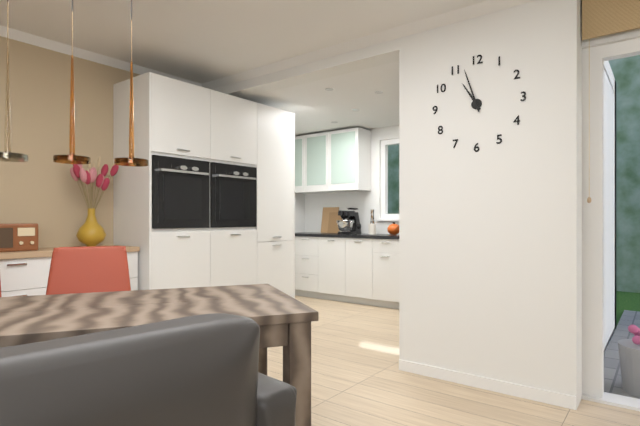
10:57
